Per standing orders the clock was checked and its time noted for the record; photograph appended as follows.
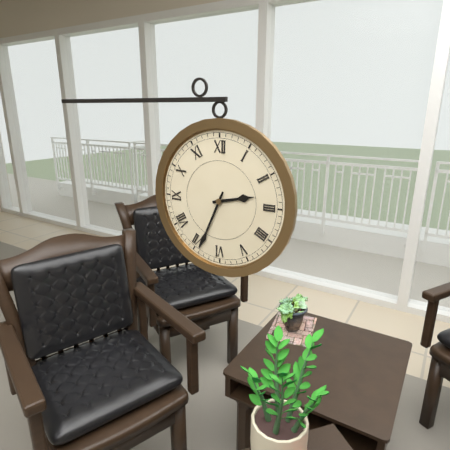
2:34
